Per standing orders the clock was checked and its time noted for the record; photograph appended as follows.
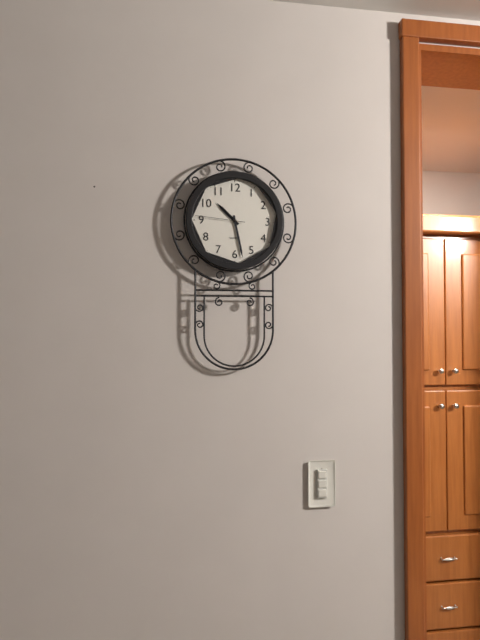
10:28:46
